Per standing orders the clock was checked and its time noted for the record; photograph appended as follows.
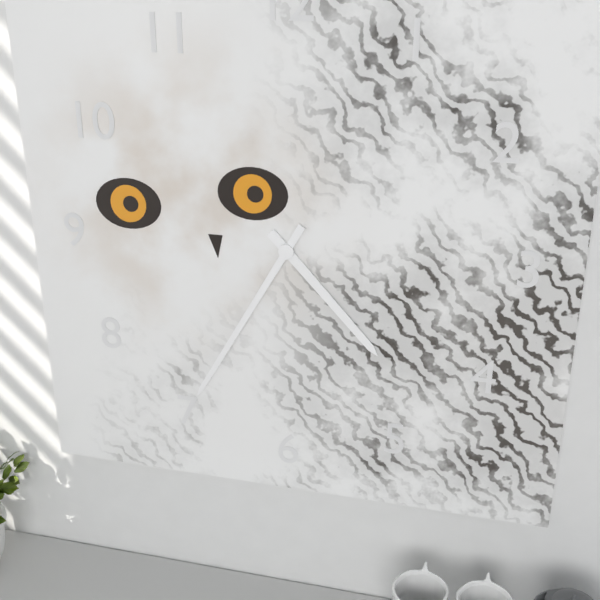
4:35
